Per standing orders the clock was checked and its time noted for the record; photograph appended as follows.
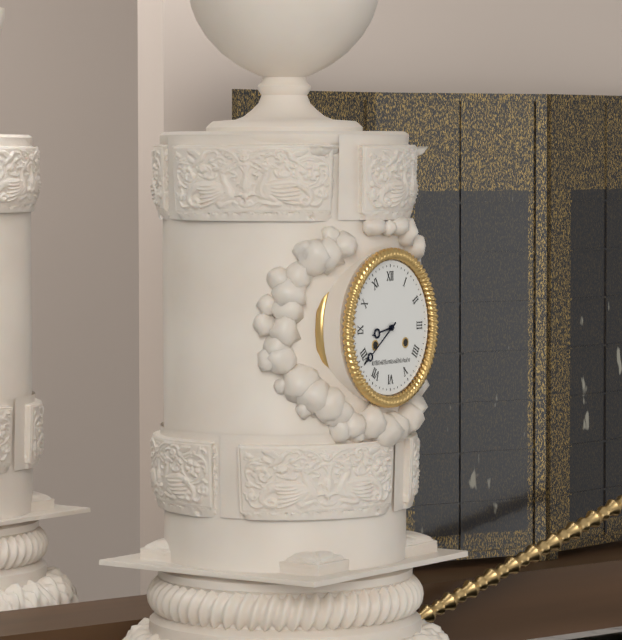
8:39
